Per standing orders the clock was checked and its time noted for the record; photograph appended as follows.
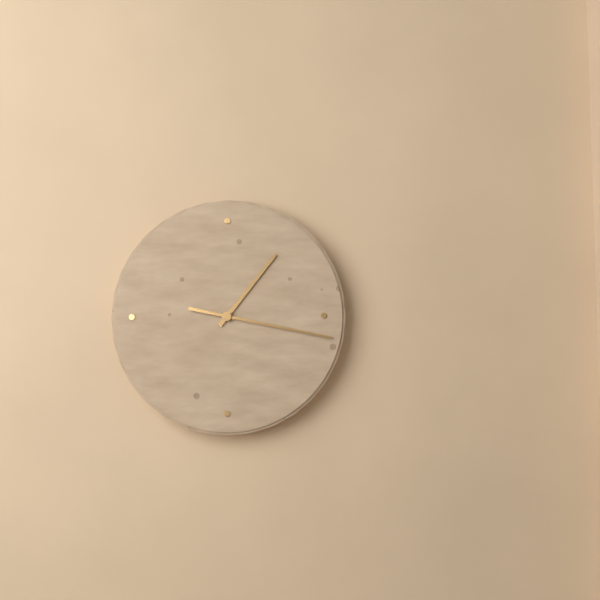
1:17
